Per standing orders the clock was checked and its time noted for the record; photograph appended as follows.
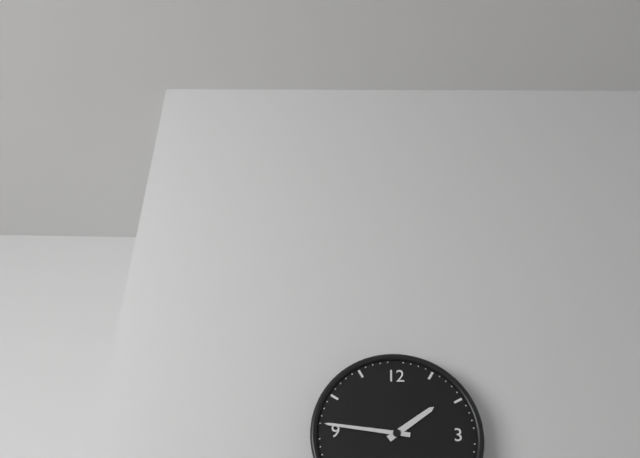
1:46
